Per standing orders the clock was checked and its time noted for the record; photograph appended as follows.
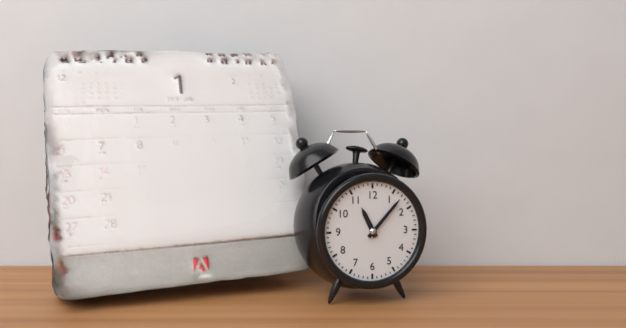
11:07
